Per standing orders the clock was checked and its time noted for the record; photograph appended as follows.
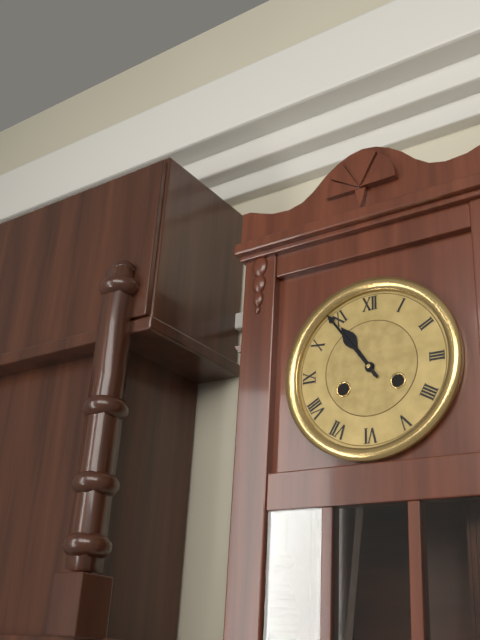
10:54
